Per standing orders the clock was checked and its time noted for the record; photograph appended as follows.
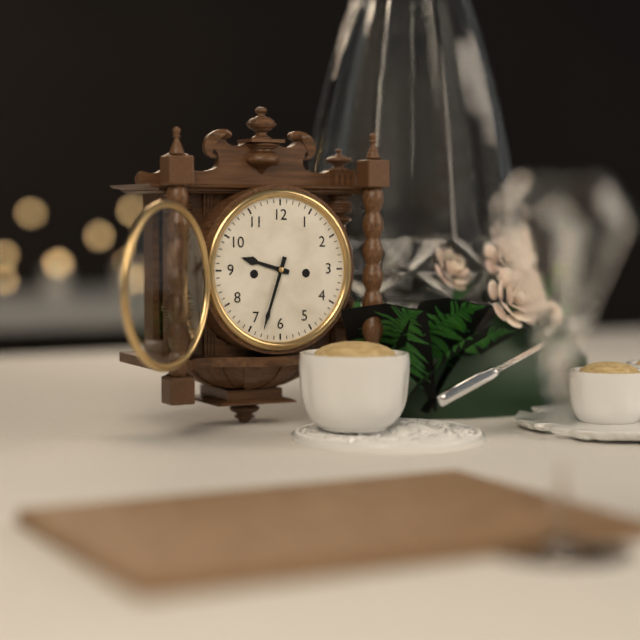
9:33
